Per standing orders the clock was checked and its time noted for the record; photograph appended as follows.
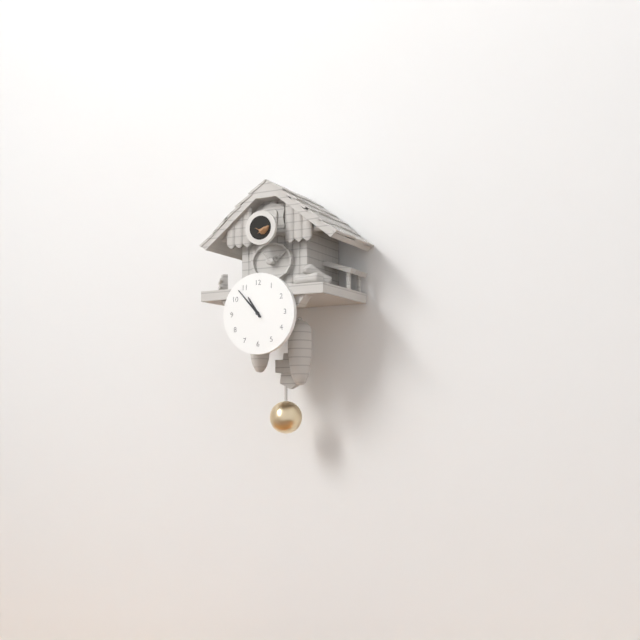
10:53
